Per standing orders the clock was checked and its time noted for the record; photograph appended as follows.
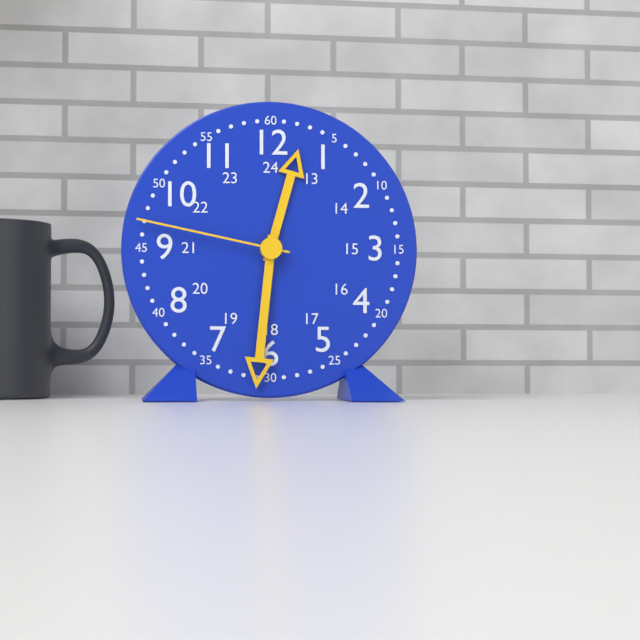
12:31:47
